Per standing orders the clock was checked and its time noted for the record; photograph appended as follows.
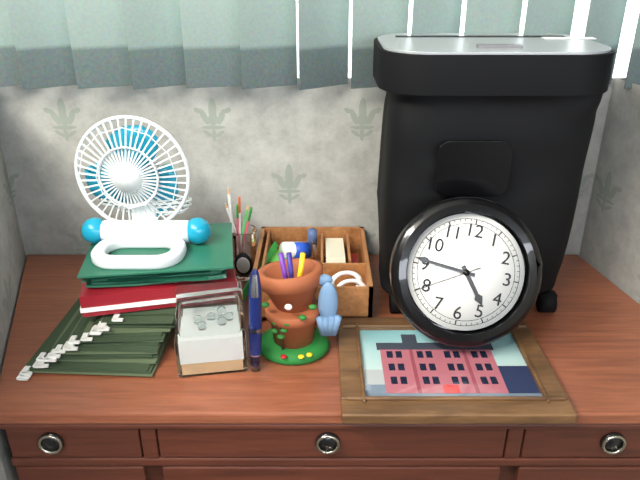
4:46:40
